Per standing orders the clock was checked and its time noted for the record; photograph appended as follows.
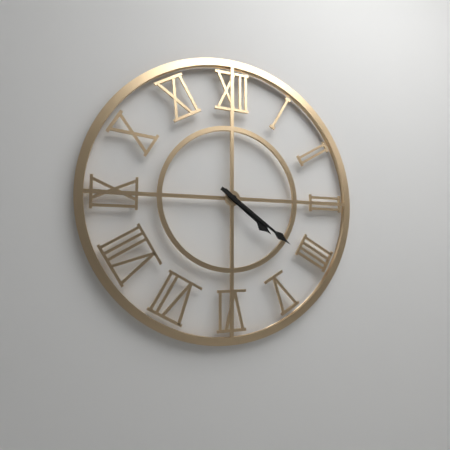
4:21
